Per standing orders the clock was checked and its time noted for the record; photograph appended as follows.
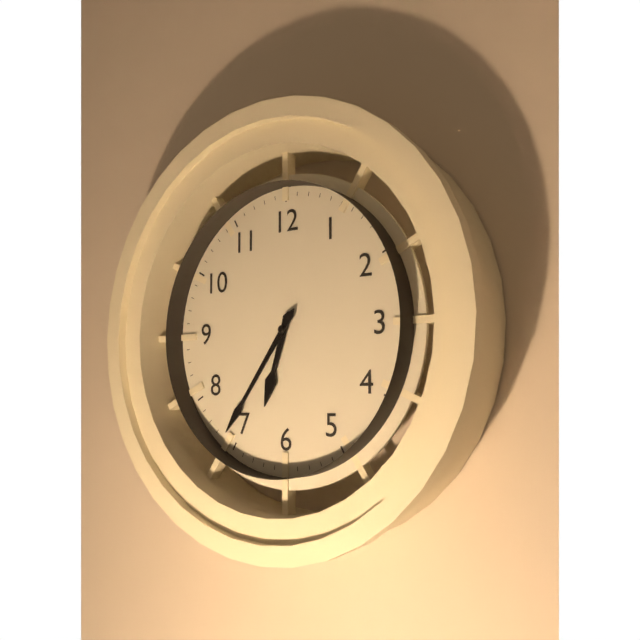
6:36
